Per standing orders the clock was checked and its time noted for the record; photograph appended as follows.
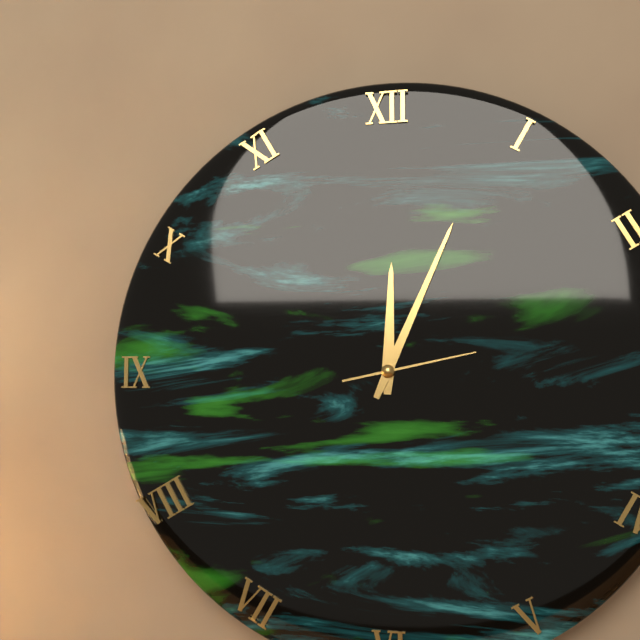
12:04:13
